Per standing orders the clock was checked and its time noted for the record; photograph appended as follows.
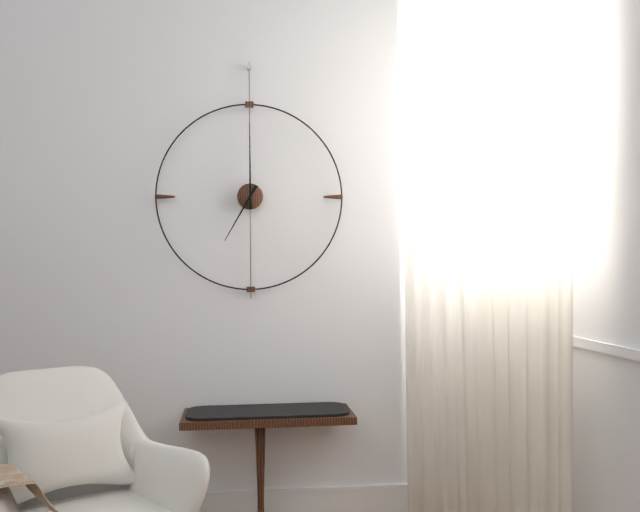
7:00
